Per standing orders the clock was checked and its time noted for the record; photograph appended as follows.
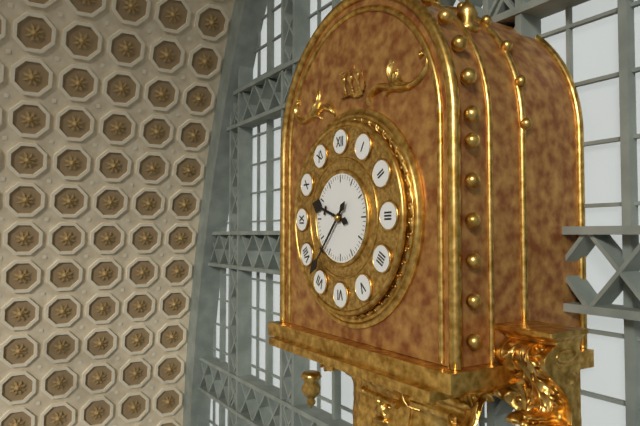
9:37
